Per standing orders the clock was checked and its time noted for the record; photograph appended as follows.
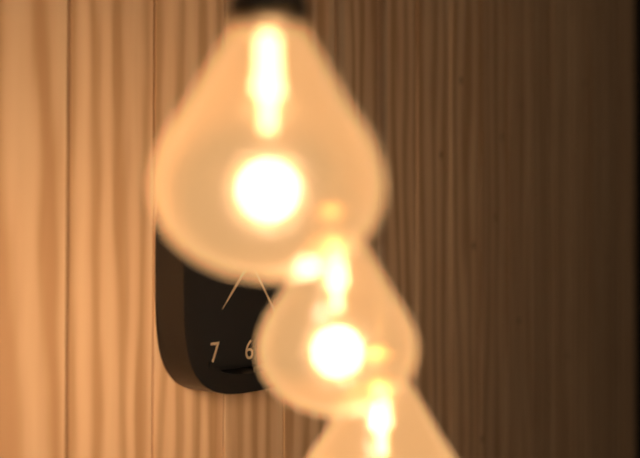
7:24
